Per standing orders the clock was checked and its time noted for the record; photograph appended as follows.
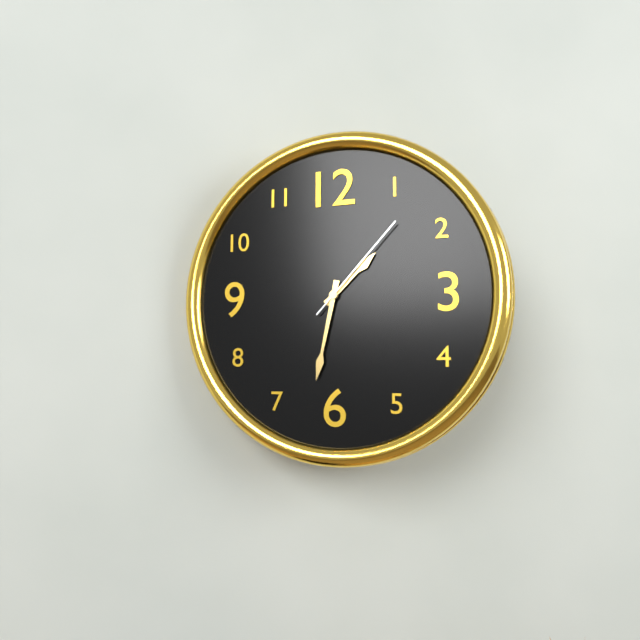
1:32:07
